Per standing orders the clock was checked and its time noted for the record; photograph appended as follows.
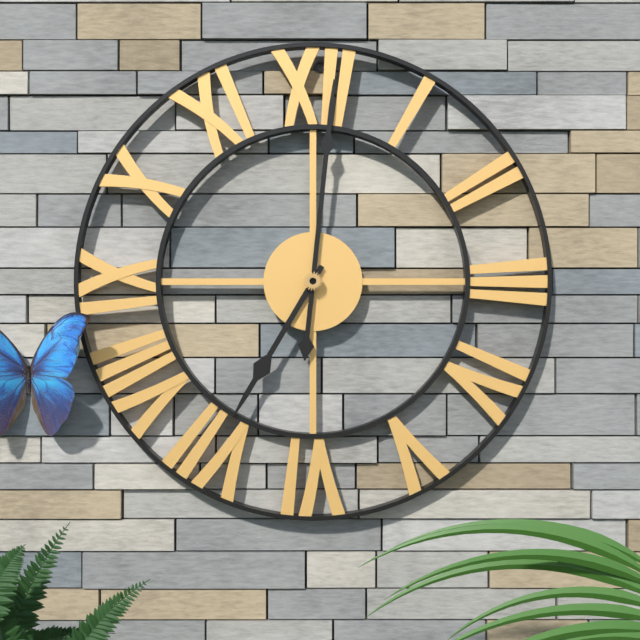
7:01
